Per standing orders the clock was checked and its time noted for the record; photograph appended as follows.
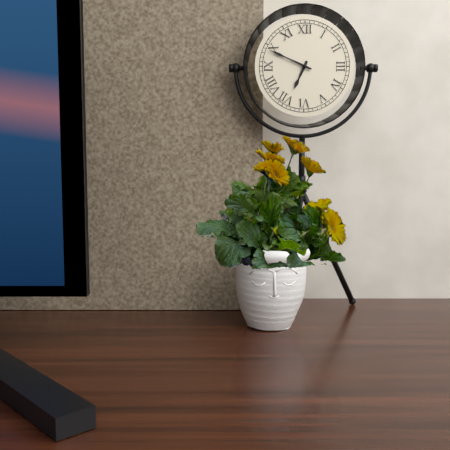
6:49
